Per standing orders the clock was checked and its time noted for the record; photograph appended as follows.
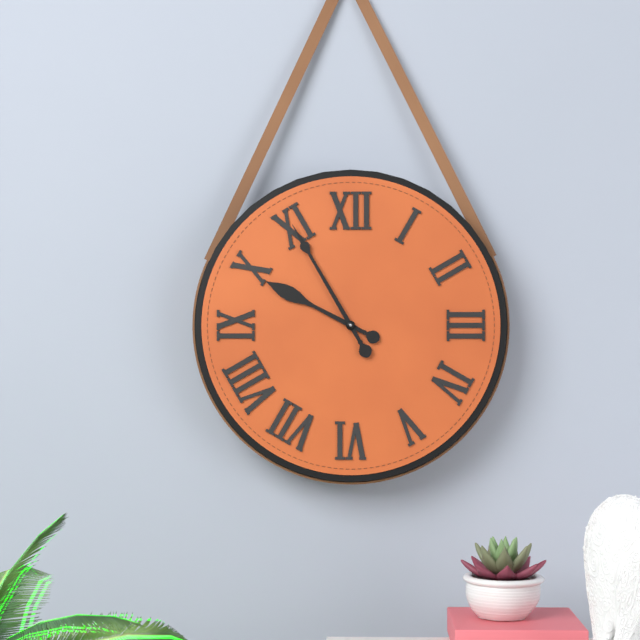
9:55
